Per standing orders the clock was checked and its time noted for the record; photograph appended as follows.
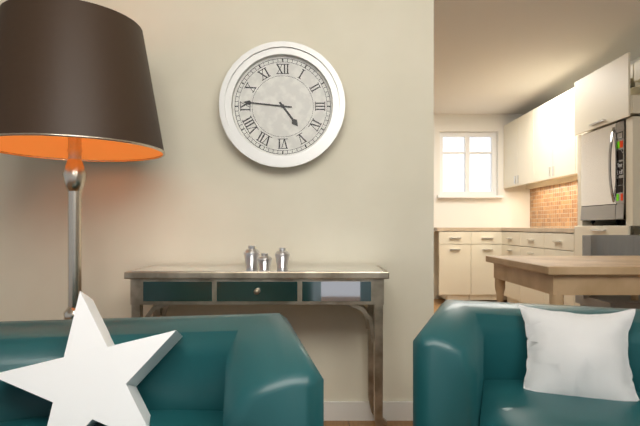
4:46
